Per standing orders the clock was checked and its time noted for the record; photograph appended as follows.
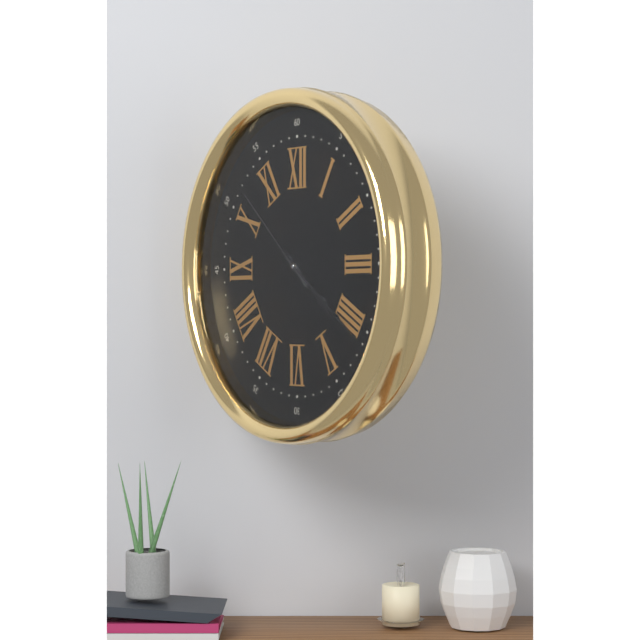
4:21:52
